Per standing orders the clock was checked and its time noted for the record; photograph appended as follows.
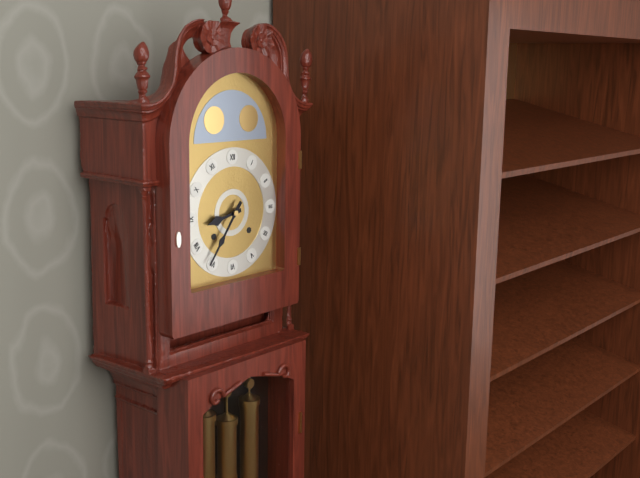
8:36
